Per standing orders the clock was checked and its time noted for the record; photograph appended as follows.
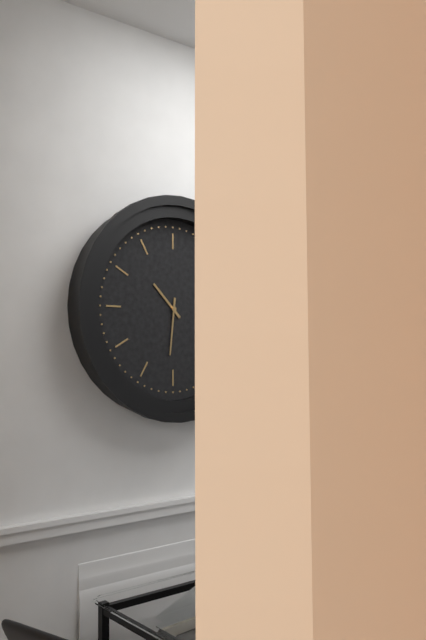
10:31
